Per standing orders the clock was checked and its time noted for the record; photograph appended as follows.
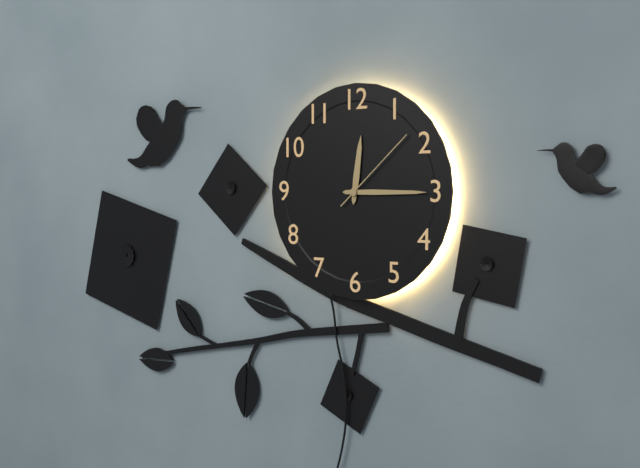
12:15:08
